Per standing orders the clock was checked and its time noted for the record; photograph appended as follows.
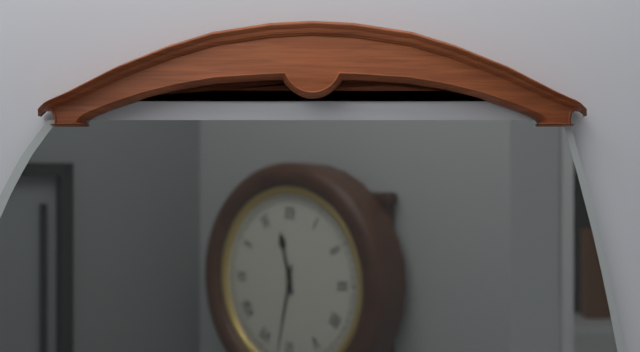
11:32
